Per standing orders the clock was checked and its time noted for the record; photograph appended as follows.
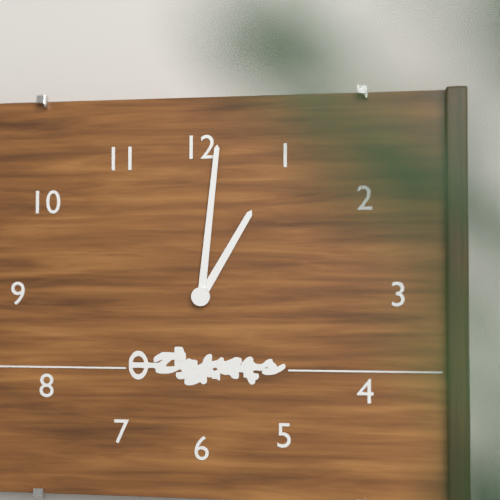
1:01
